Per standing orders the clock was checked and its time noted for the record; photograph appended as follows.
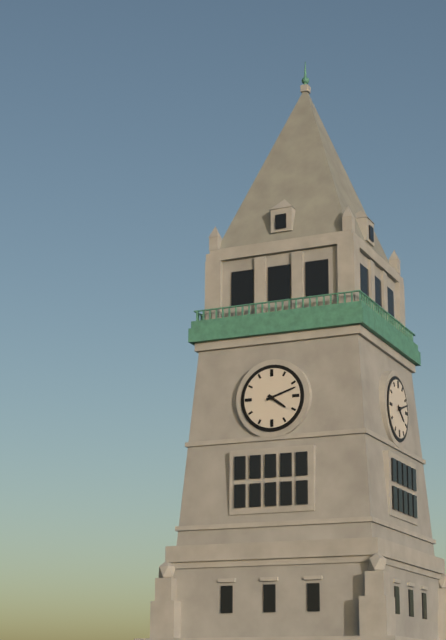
4:12
